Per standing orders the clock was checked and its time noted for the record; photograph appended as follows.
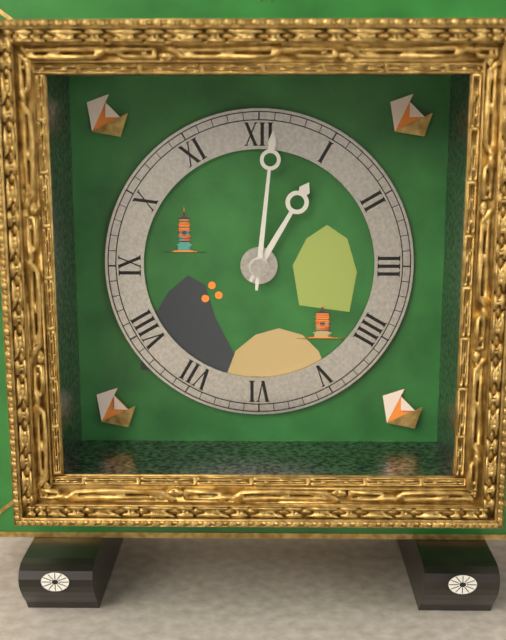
1:01
